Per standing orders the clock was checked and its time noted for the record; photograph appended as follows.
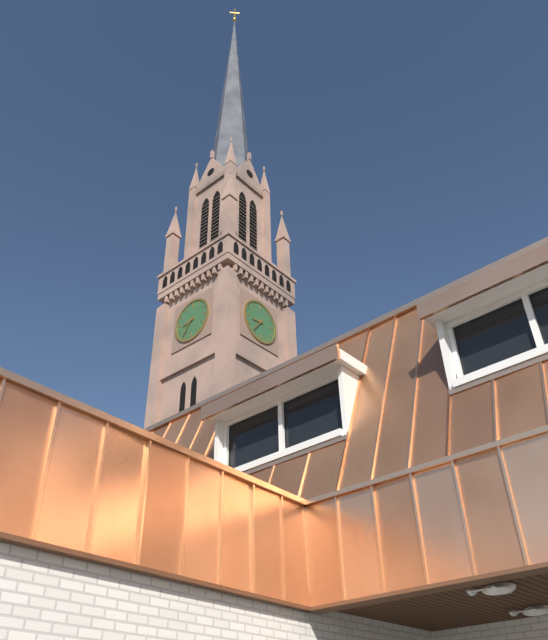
8:36
